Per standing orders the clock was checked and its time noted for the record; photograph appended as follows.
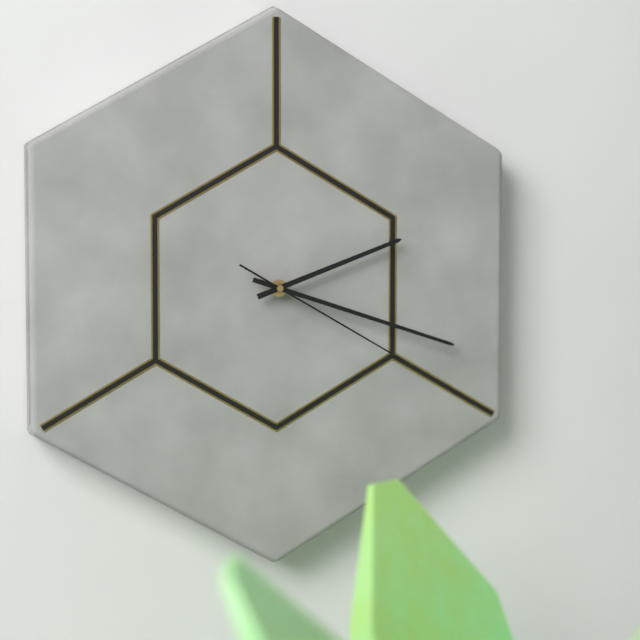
2:18:20
